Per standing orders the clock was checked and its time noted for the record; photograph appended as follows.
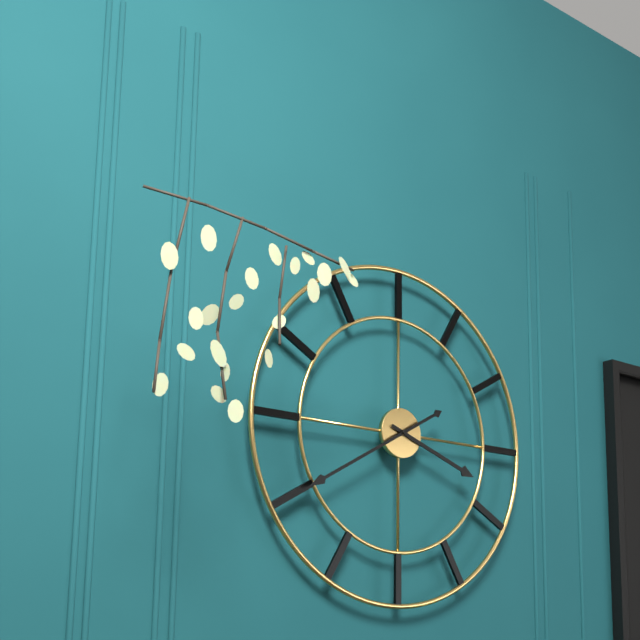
3:40
